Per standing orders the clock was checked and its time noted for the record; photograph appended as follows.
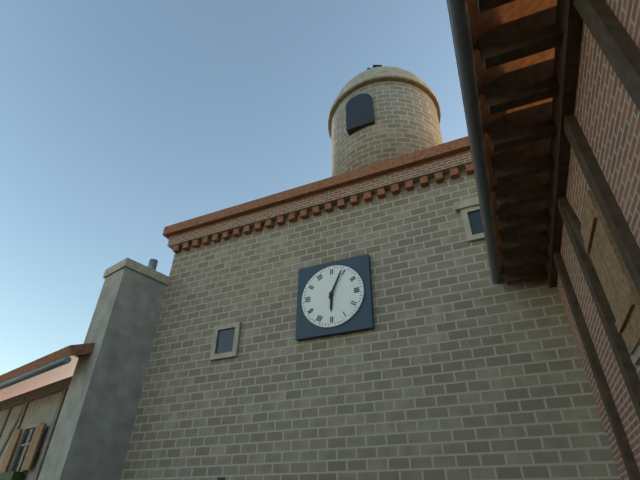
6:04
